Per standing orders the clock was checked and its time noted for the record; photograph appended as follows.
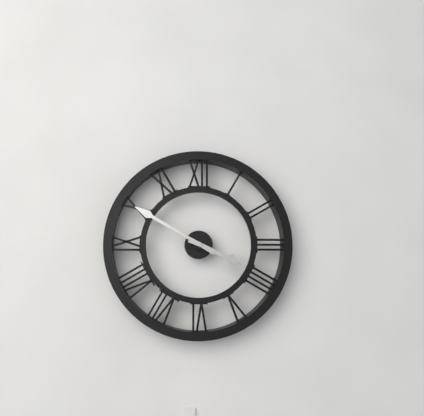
3:50
